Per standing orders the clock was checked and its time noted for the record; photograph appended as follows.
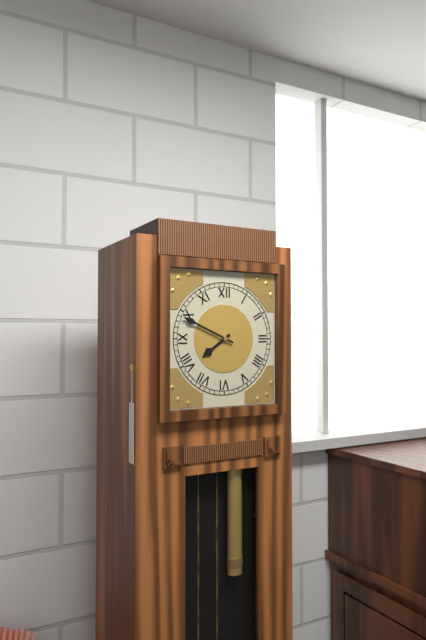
7:49
